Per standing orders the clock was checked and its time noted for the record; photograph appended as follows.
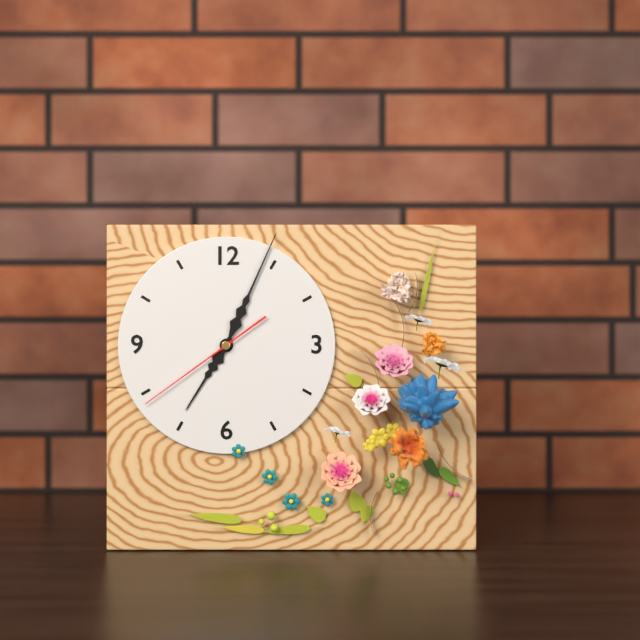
7:04:39
